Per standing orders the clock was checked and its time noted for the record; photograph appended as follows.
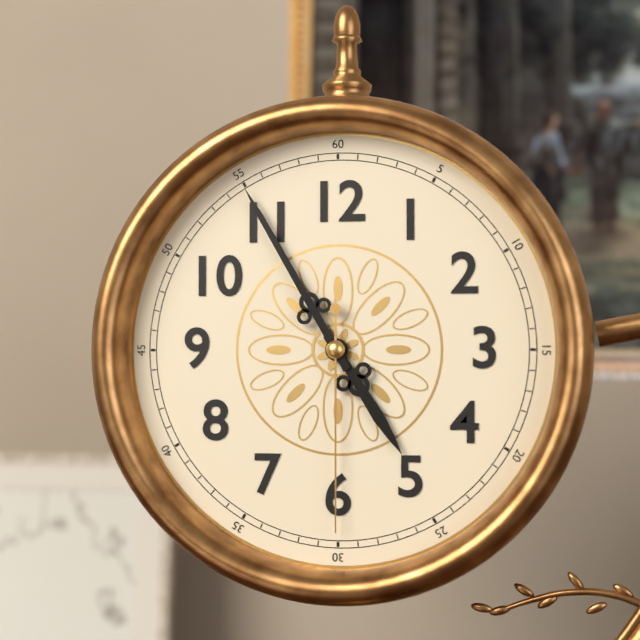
4:55:30
